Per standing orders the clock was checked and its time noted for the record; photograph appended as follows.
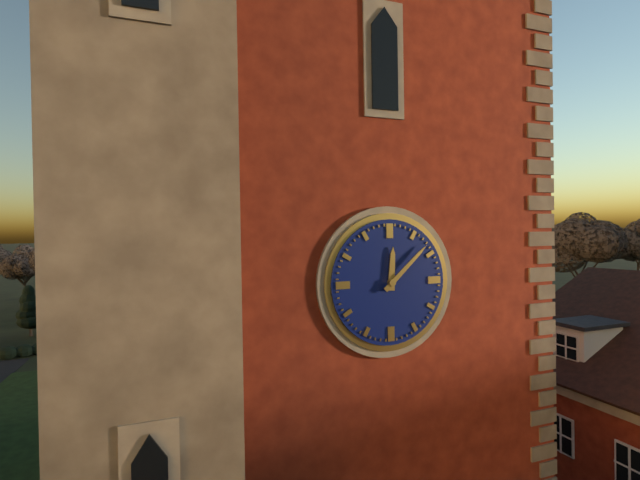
12:08
